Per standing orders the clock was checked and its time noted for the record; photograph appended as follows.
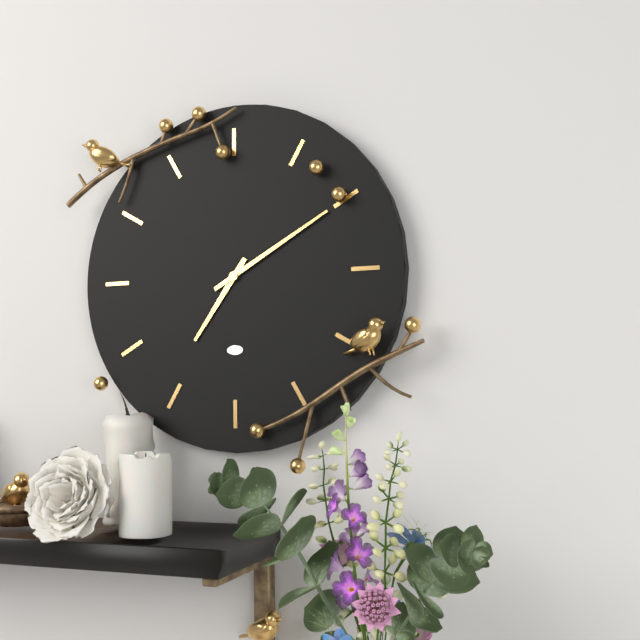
7:10
